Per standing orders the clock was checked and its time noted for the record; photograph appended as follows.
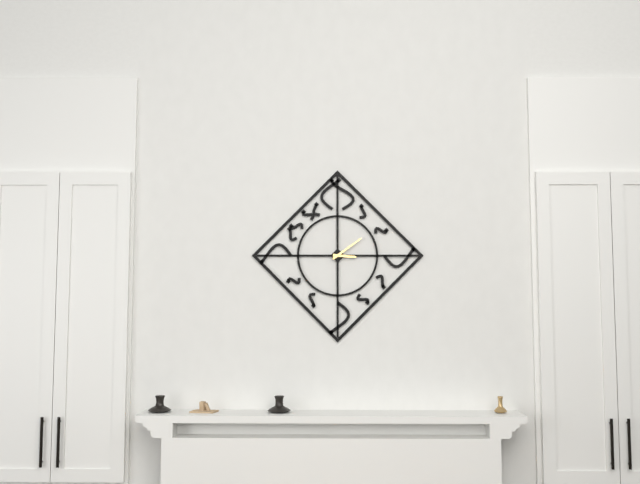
3:09
